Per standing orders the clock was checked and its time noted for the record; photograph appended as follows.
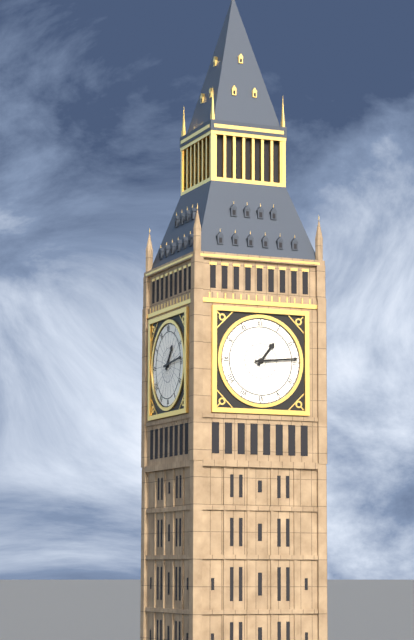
1:14
